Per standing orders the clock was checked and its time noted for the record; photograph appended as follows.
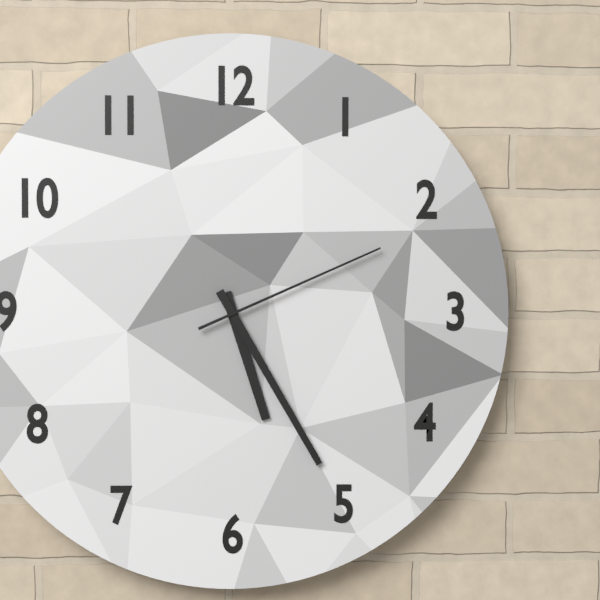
5:25:11
